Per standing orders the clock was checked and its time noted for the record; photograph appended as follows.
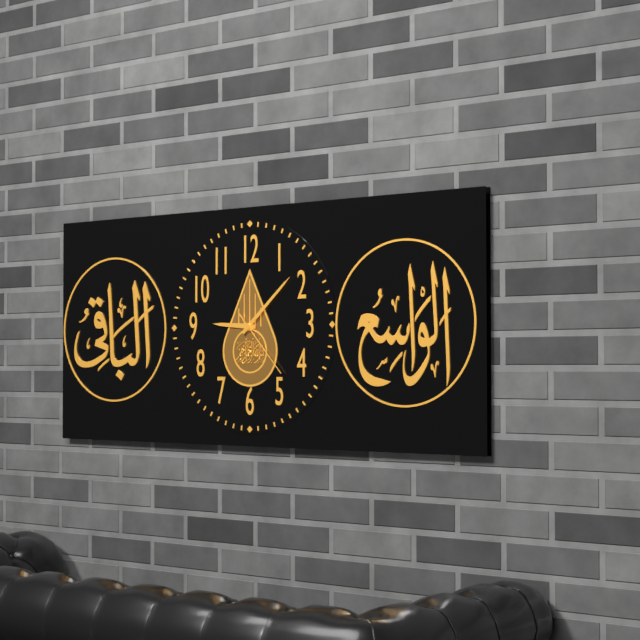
9:08:23
